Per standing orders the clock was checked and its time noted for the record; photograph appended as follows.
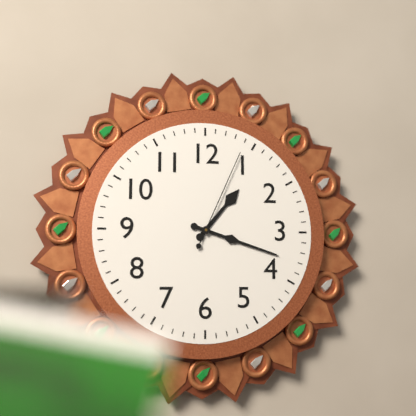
1:18:04
